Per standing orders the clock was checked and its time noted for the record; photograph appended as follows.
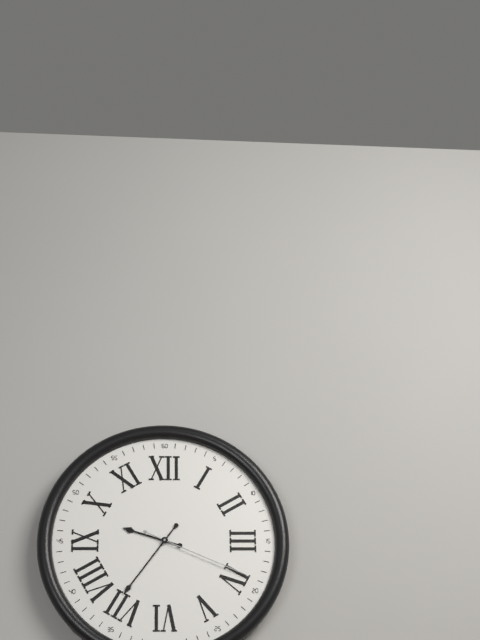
9:36:19
